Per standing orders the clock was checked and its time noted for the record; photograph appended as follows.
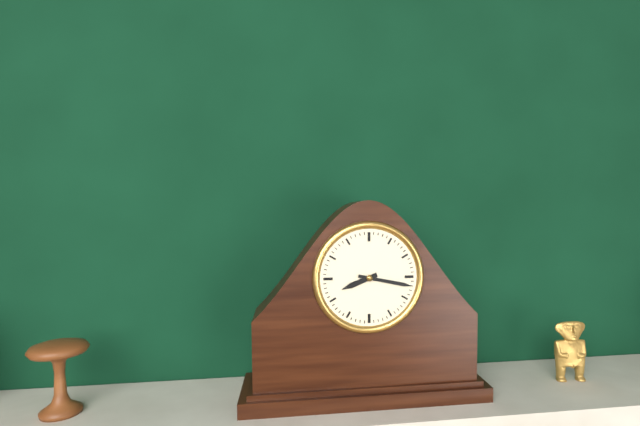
8:17
